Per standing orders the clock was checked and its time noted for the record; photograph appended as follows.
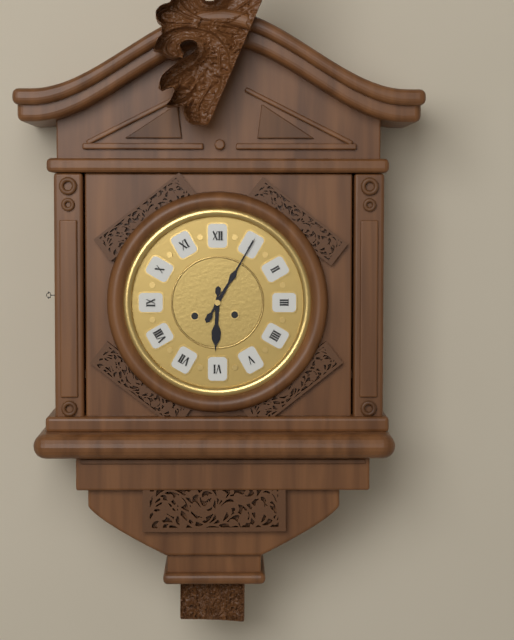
6:05
